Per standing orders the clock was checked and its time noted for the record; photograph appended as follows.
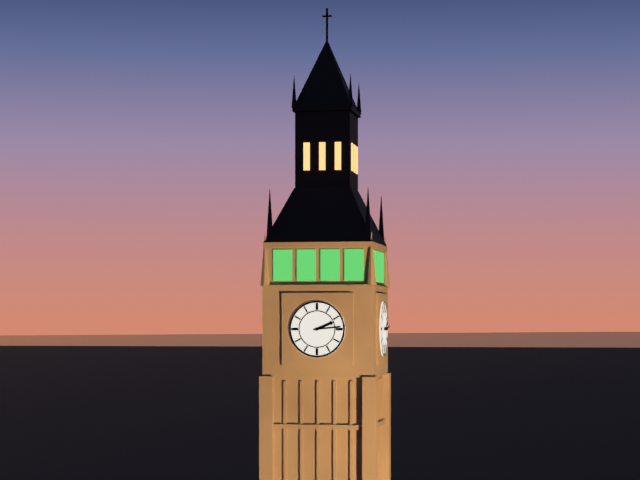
2:14
